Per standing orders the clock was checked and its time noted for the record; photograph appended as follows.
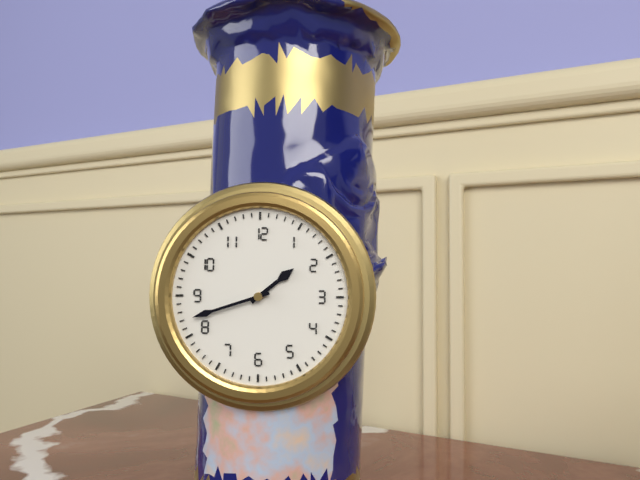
1:42
